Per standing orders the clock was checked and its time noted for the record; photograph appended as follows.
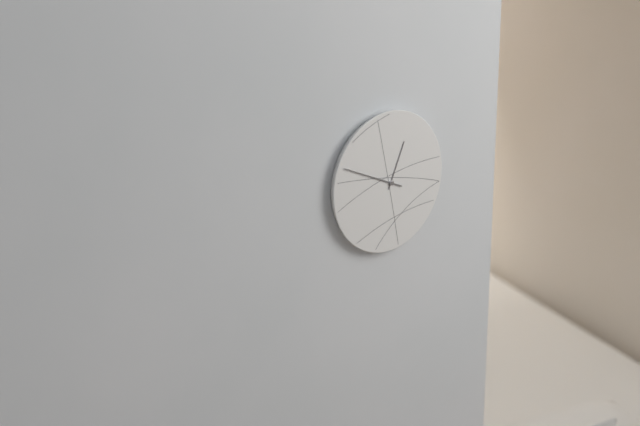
12:49
